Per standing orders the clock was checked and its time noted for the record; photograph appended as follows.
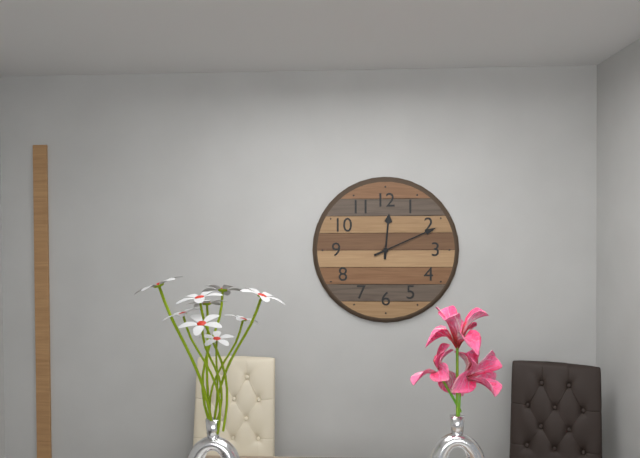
12:11
